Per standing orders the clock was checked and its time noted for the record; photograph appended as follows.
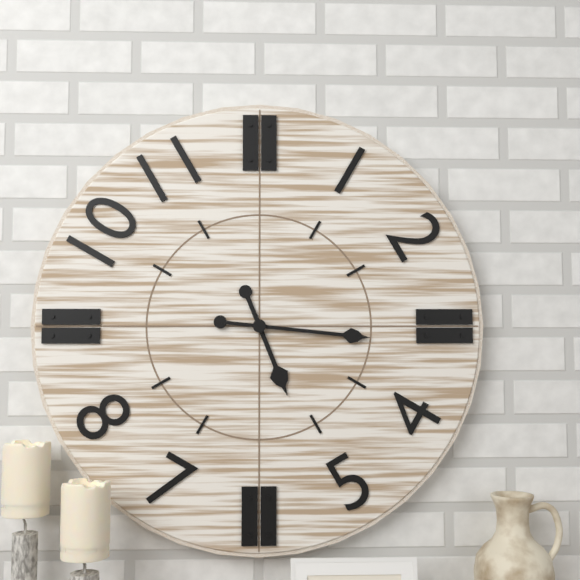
5:16
